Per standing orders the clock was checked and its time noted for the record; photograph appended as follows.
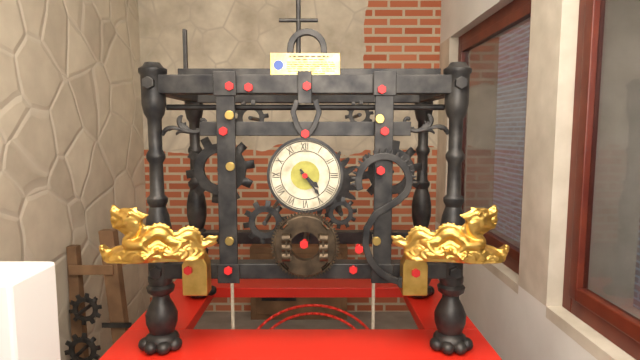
4:24
